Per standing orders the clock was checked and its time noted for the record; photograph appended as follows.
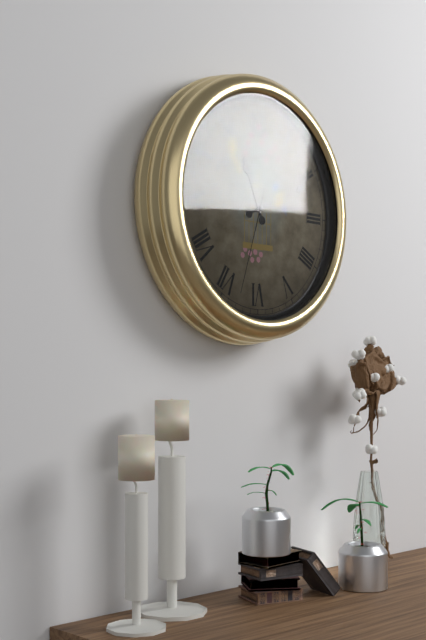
11:11:33
